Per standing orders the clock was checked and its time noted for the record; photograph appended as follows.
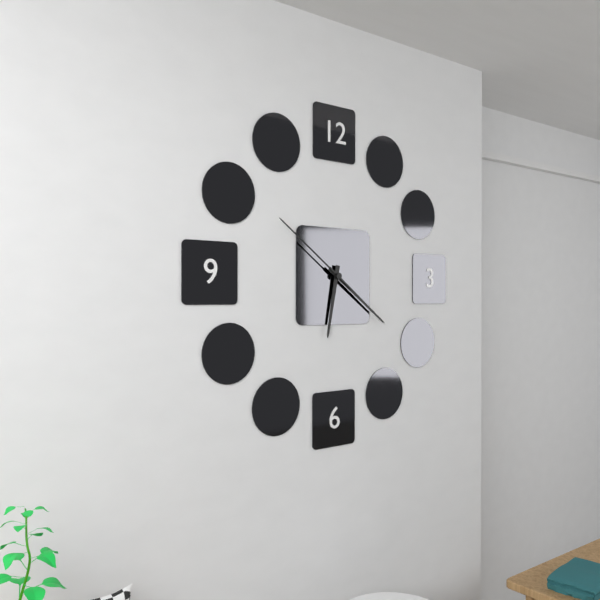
6:21:51
